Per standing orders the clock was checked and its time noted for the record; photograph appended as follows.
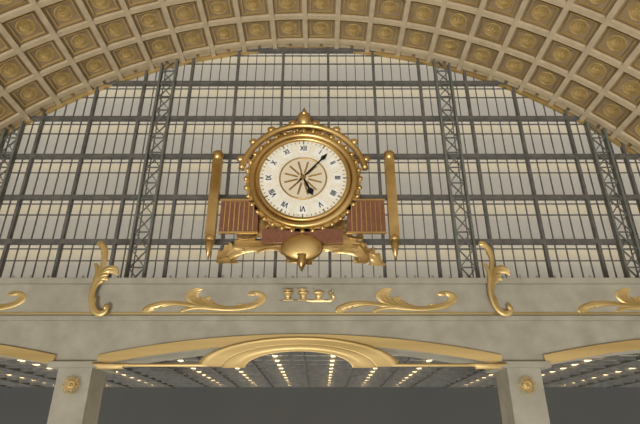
5:07
